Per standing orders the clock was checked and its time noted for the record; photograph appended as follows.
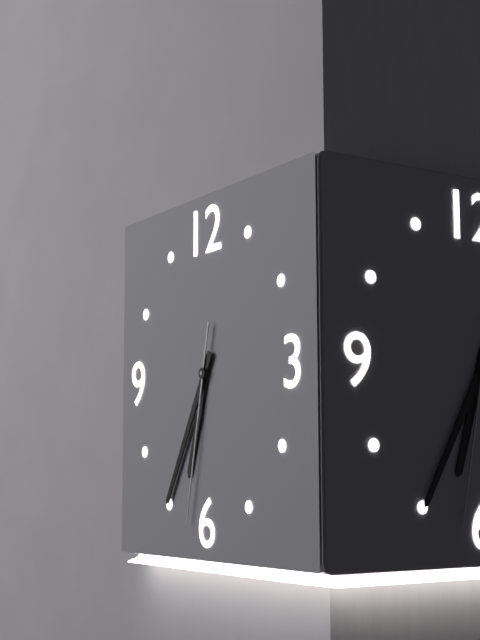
6:35:32
